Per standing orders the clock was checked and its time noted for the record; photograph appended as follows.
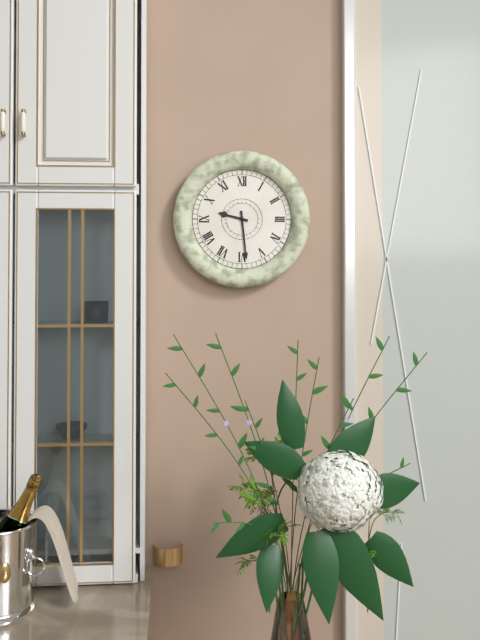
9:29
